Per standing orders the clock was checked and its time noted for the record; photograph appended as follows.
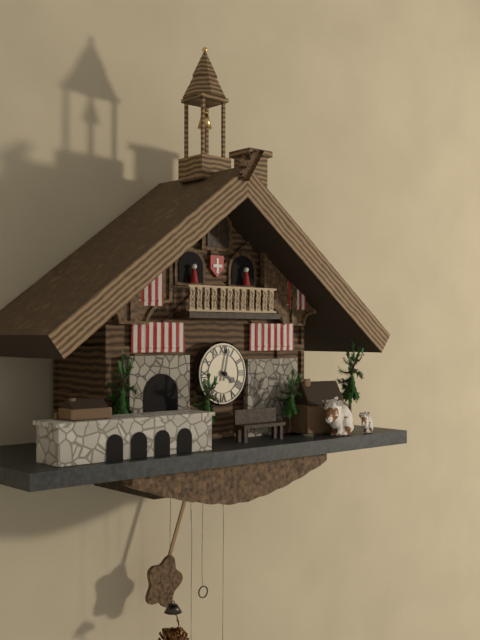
4:02
